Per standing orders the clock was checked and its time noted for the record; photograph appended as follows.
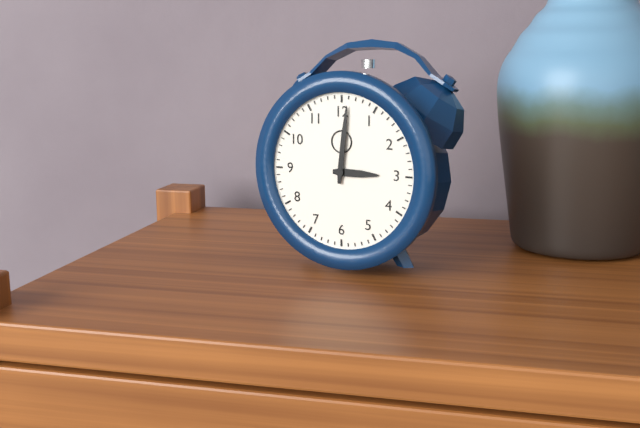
3:01
